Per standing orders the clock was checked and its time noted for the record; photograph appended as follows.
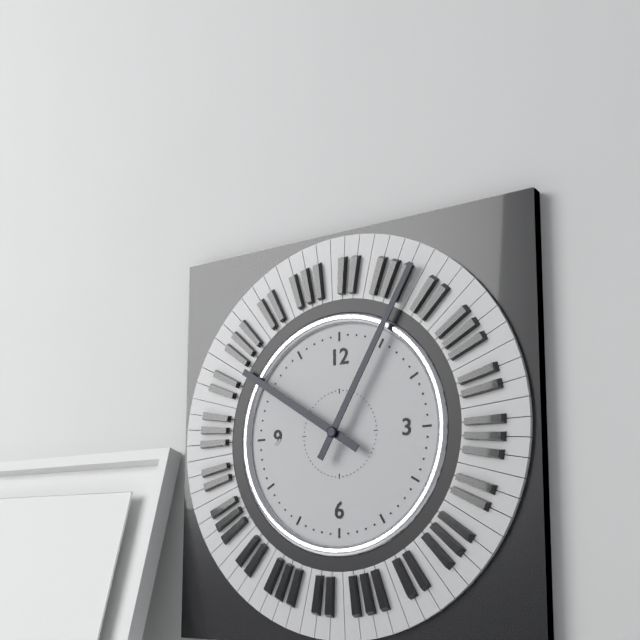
10:05
